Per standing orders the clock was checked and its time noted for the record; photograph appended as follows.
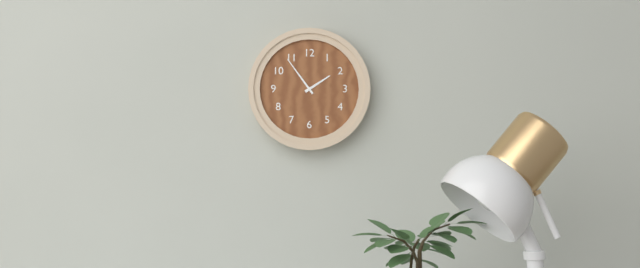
1:54
